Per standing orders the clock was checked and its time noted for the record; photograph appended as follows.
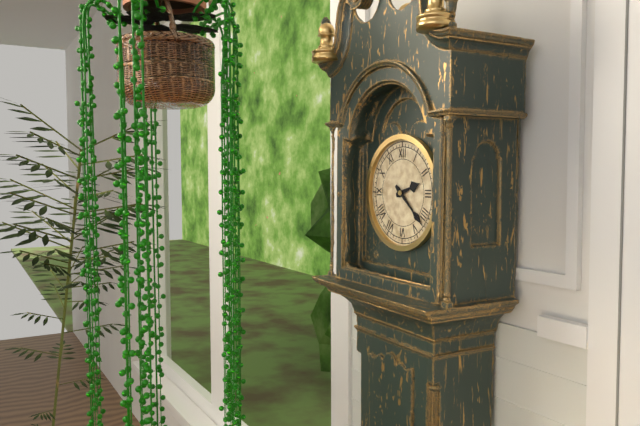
2:22
